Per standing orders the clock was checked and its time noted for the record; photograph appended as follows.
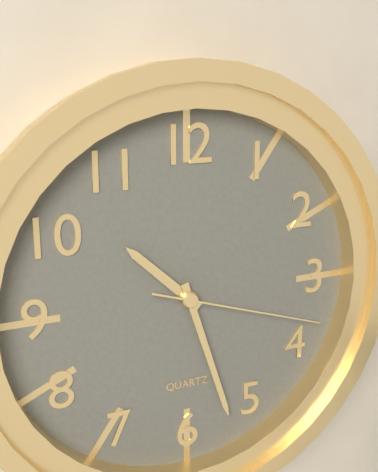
10:27:18
